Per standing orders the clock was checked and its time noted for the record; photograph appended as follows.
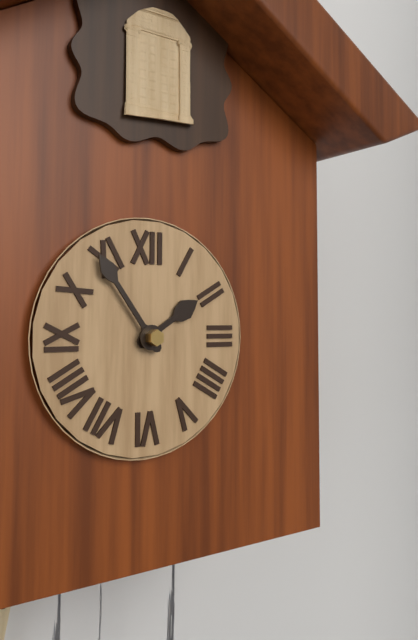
1:54
